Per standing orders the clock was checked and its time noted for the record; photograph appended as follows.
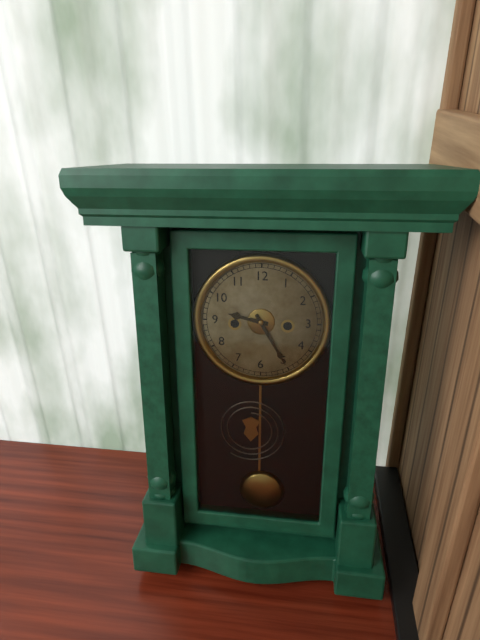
9:25
